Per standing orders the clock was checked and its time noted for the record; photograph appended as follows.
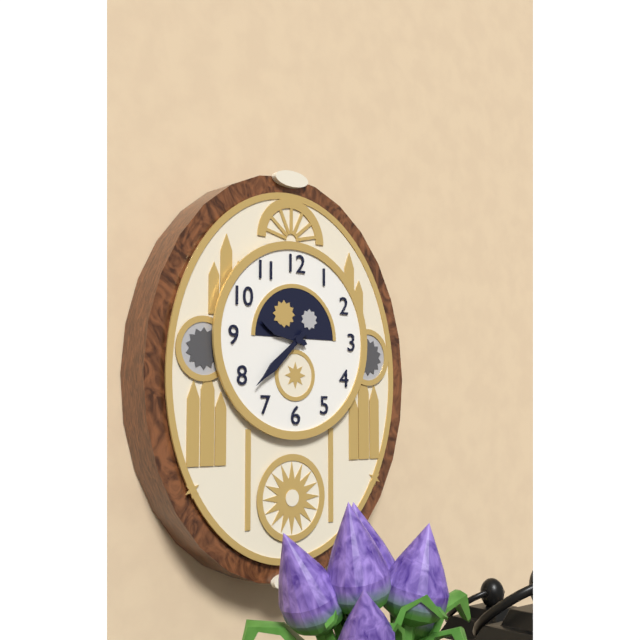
9:38
